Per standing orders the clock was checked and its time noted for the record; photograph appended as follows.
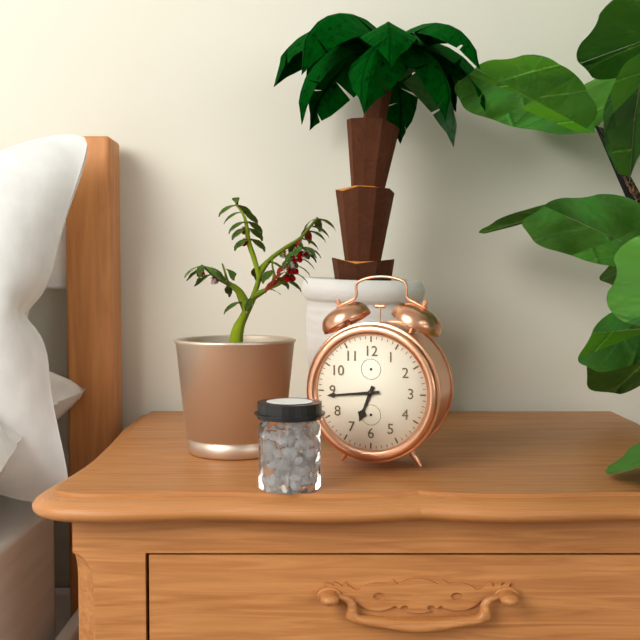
6:44
